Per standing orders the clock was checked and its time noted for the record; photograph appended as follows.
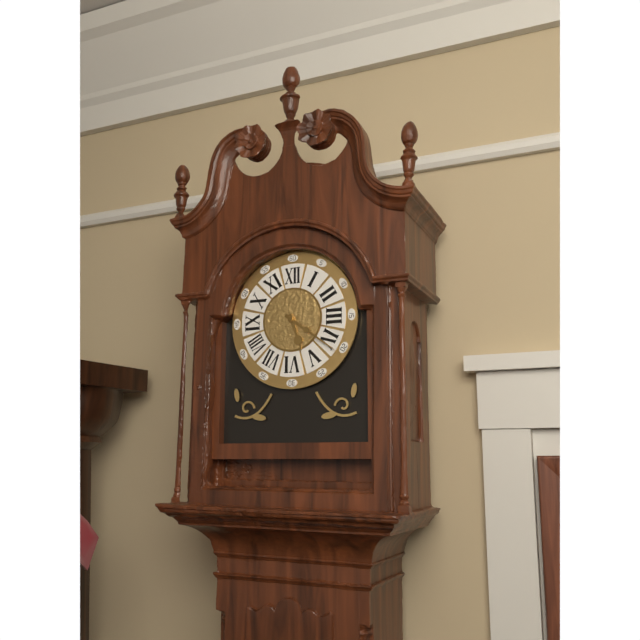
5:21
